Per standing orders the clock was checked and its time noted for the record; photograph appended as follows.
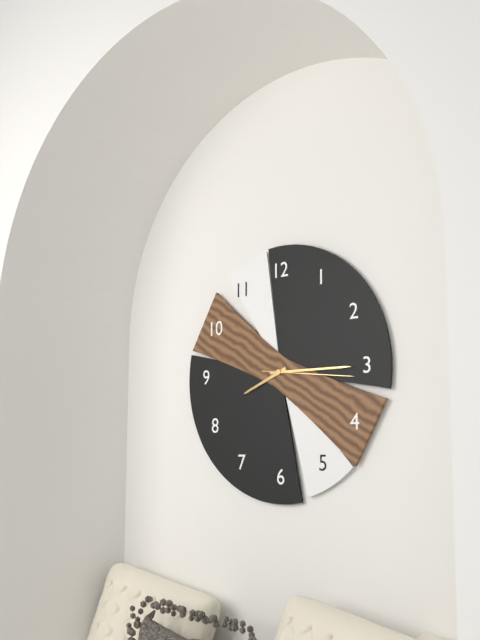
8:15:16
